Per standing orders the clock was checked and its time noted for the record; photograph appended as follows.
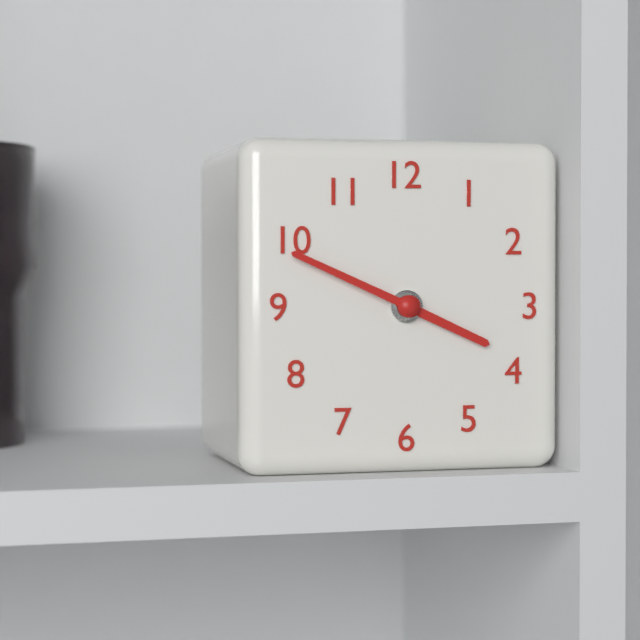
3:49
